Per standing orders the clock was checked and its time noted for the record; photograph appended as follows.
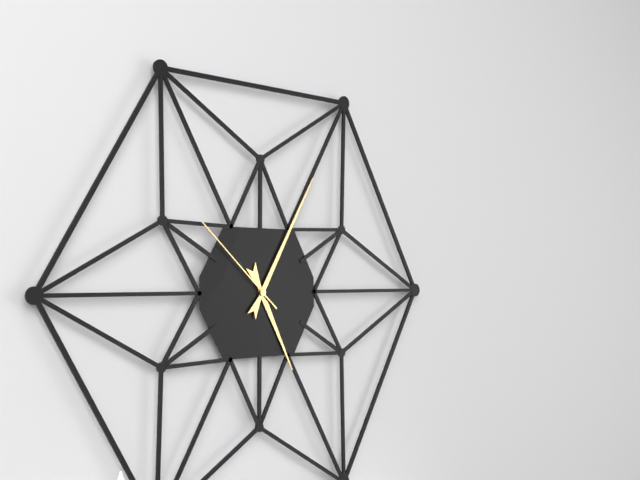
5:05:52
